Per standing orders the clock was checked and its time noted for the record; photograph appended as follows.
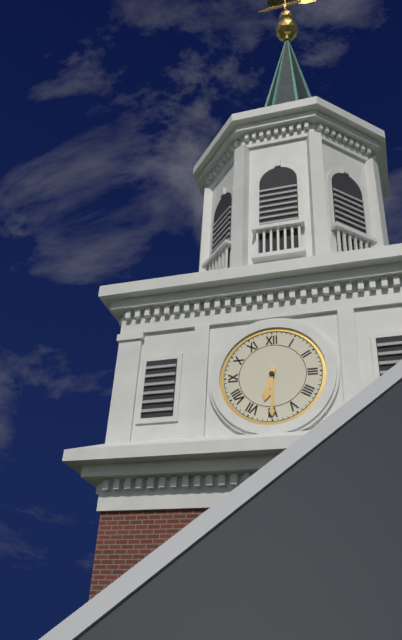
6:30
